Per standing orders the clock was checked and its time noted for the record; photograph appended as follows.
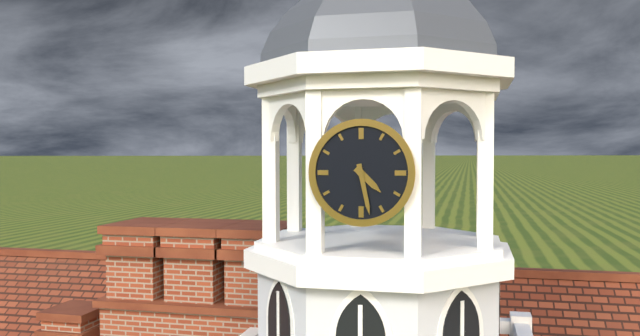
4:28
